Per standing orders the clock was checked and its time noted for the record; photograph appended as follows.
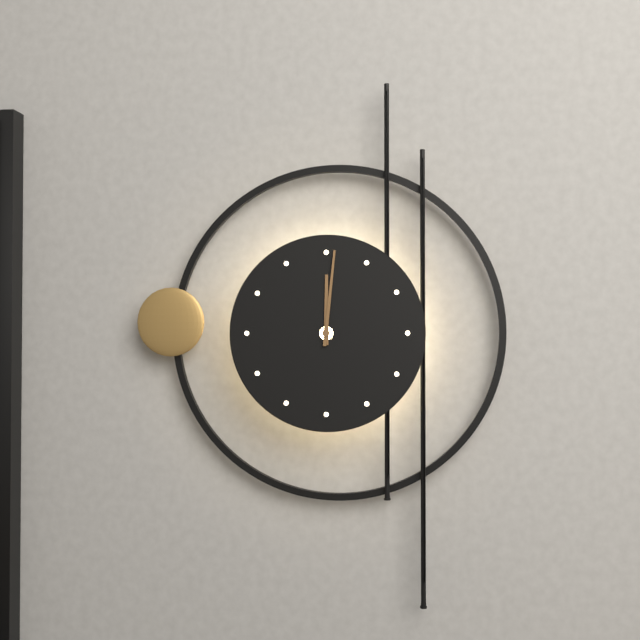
12:01
